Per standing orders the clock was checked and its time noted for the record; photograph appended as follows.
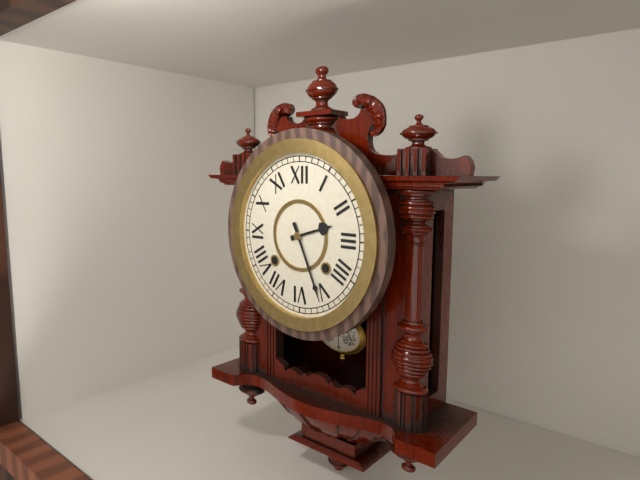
2:26
